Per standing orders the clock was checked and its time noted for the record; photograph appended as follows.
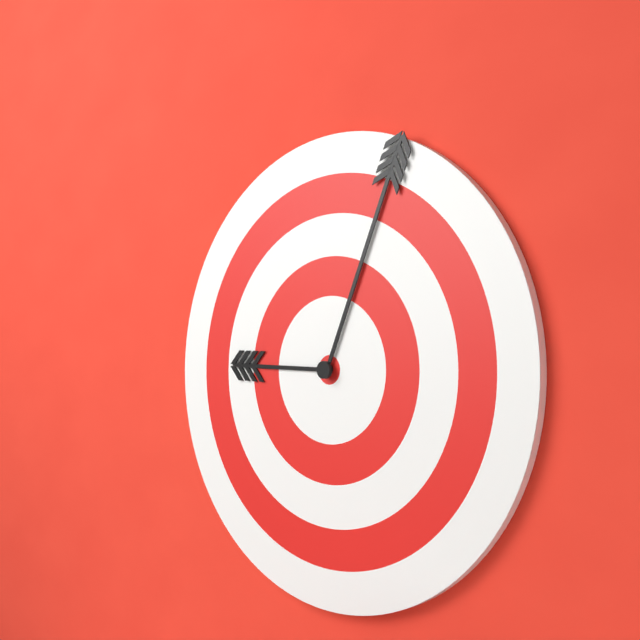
9:04
